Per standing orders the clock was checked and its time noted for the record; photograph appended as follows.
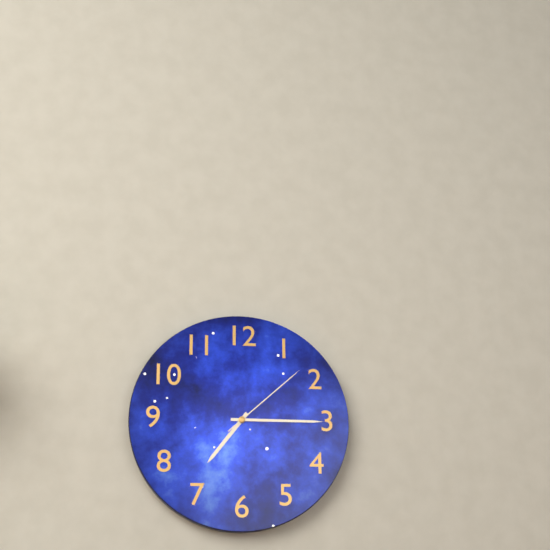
7:15:08
